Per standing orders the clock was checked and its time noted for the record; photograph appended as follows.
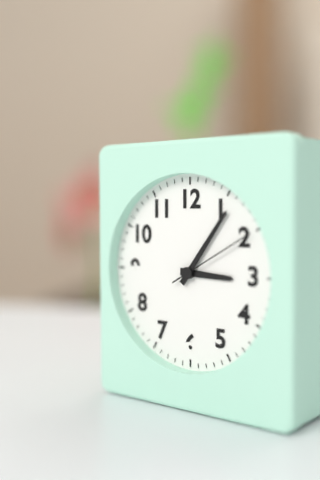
3:06:10
